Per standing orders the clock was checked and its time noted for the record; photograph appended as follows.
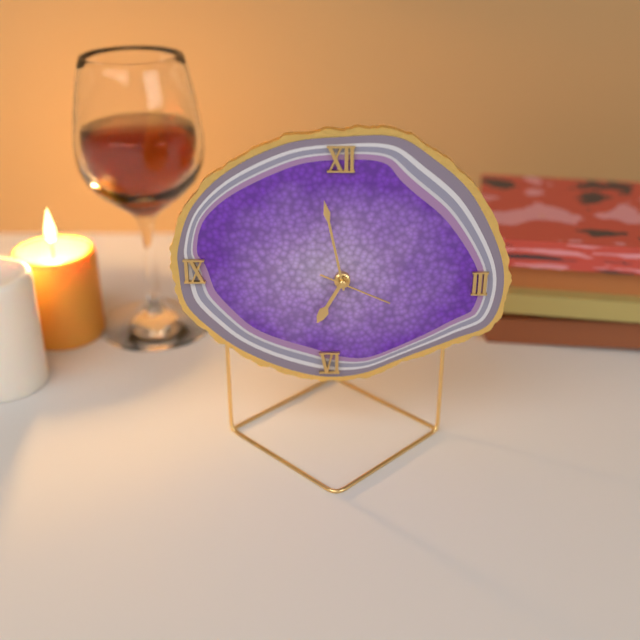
6:58:19
